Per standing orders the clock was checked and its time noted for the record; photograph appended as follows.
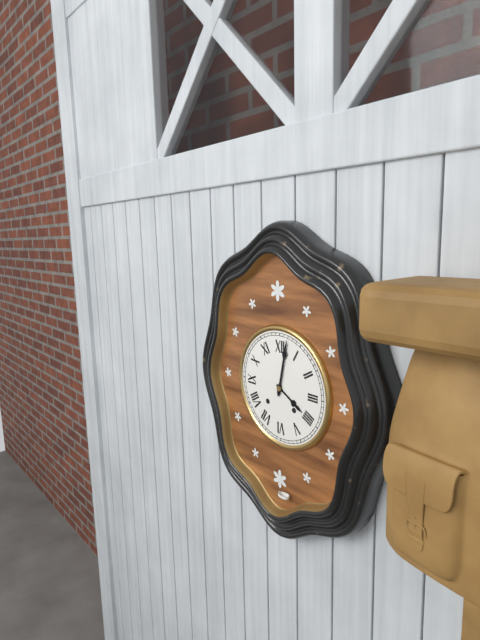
4:02
